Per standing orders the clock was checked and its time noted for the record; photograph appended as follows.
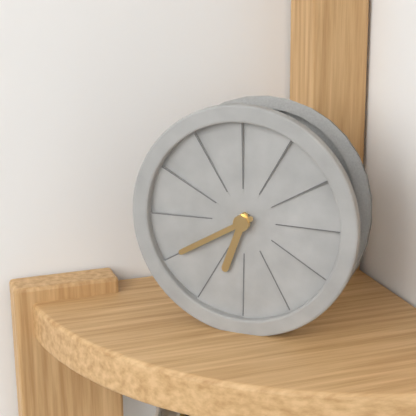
6:40
